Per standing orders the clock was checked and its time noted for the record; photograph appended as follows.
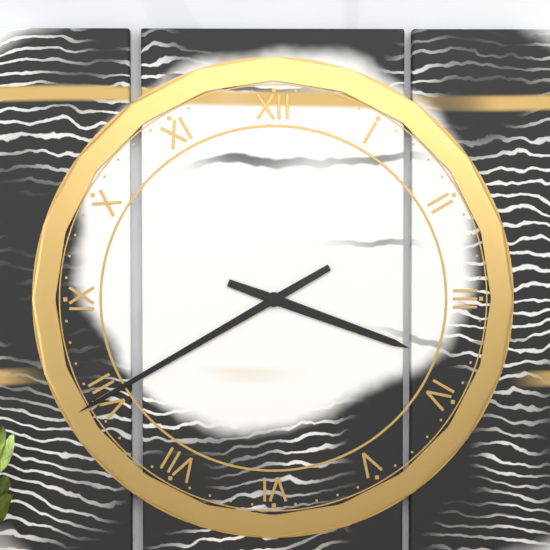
3:40
